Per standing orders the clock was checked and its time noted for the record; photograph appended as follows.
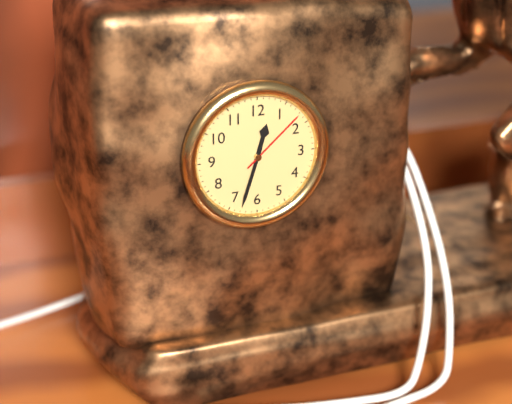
12:33:08
